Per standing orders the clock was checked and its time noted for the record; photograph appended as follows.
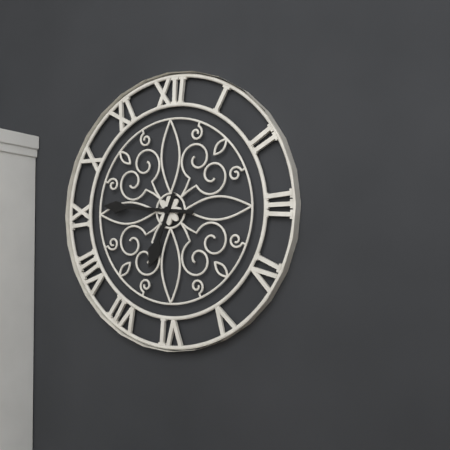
6:46
